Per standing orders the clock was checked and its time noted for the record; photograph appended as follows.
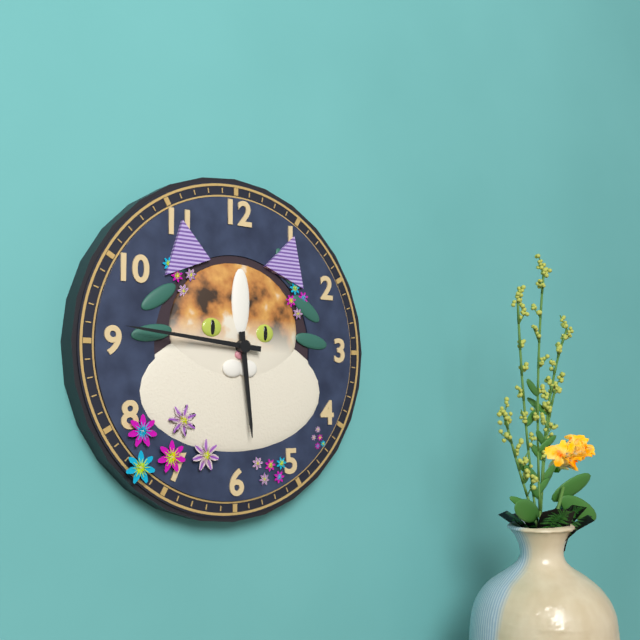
5:46
